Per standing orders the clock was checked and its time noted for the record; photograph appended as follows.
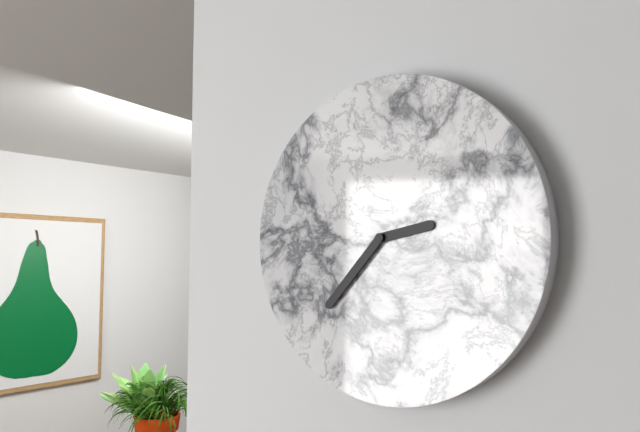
2:37
